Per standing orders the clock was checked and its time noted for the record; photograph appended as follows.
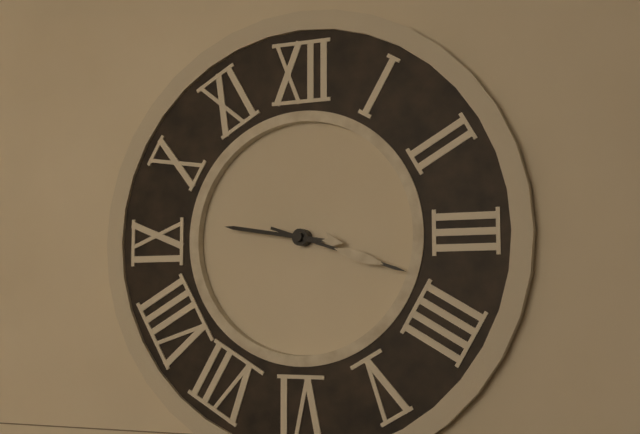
9:18
